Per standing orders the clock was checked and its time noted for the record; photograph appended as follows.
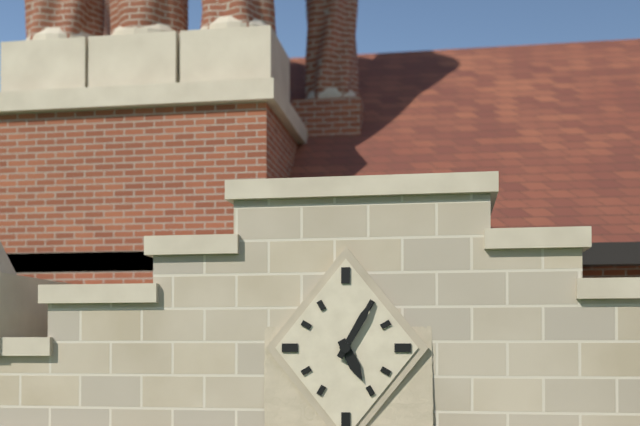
5:05
